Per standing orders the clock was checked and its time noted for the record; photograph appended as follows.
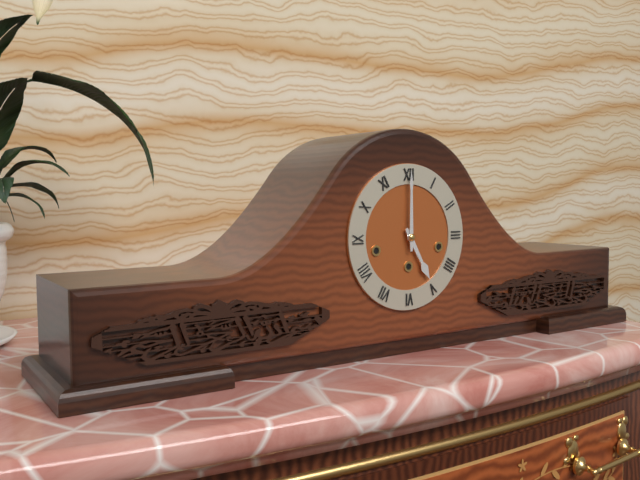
5:00
